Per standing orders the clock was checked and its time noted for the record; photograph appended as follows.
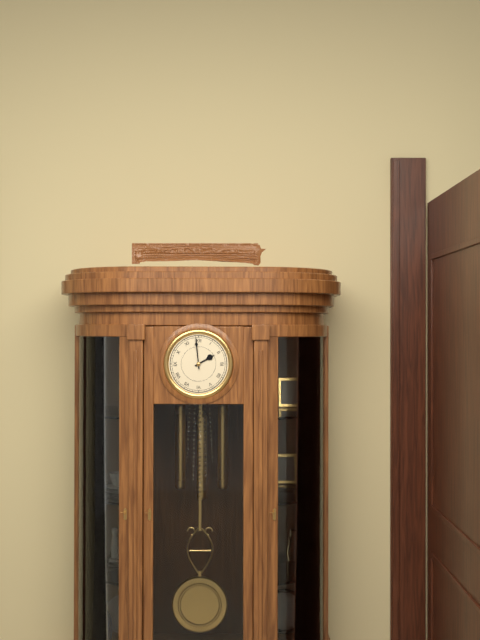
1:59
